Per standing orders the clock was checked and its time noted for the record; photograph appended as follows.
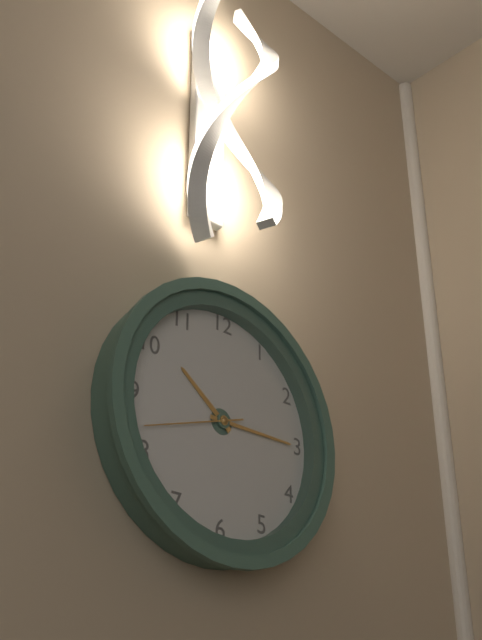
10:15:42
